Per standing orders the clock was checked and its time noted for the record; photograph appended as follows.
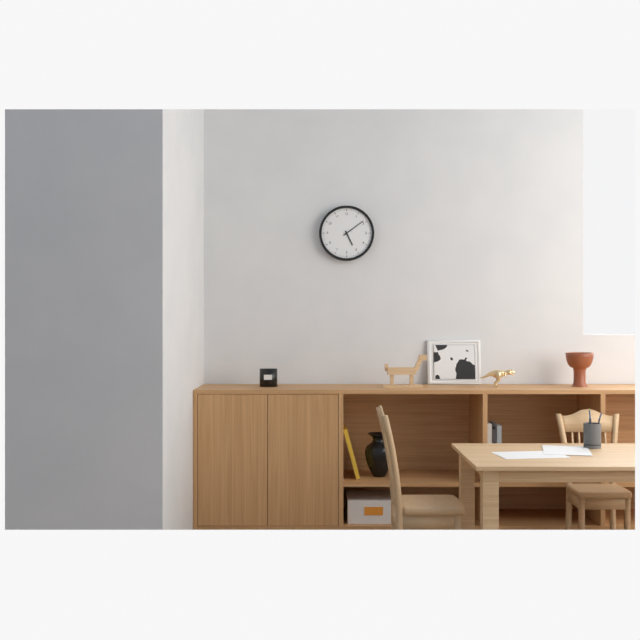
5:09
